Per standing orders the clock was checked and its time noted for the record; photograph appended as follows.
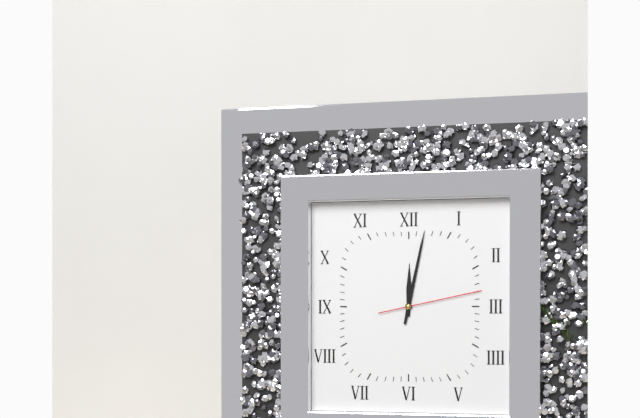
12:02:13
